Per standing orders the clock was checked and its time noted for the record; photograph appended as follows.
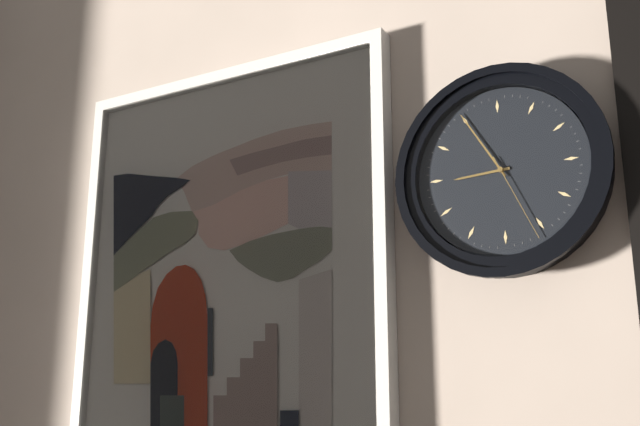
8:55:26
